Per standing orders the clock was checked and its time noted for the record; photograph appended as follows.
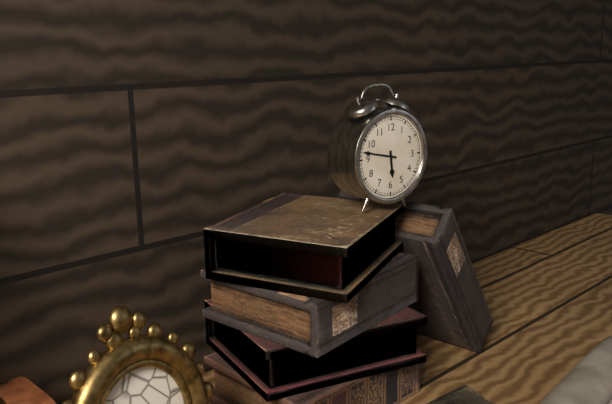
5:47
